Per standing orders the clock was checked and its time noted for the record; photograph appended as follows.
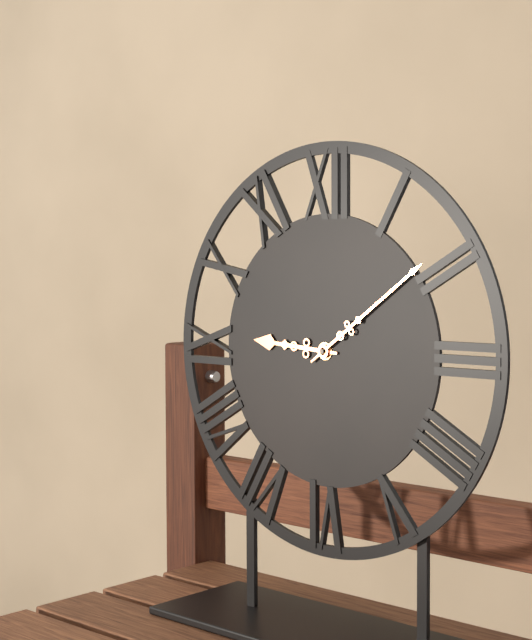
9:09
